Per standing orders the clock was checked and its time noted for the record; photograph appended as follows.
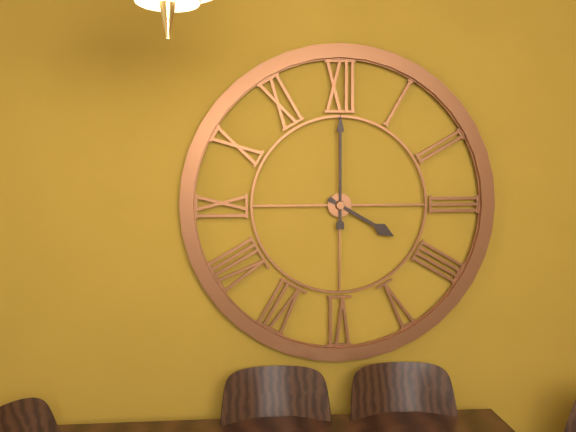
4:00
